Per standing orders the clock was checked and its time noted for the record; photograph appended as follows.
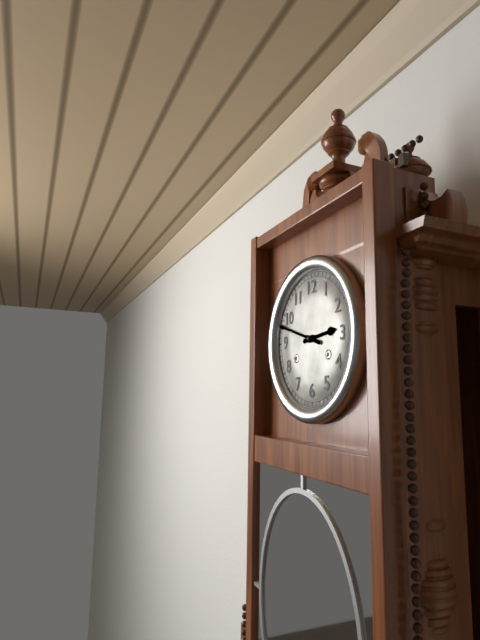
2:48
